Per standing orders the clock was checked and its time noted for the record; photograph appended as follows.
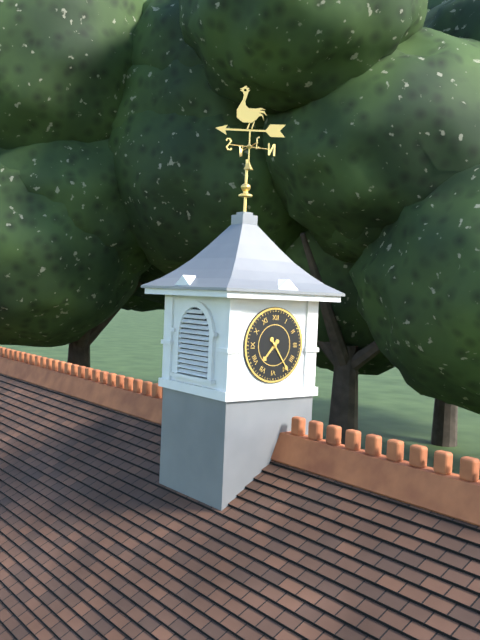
7:24
